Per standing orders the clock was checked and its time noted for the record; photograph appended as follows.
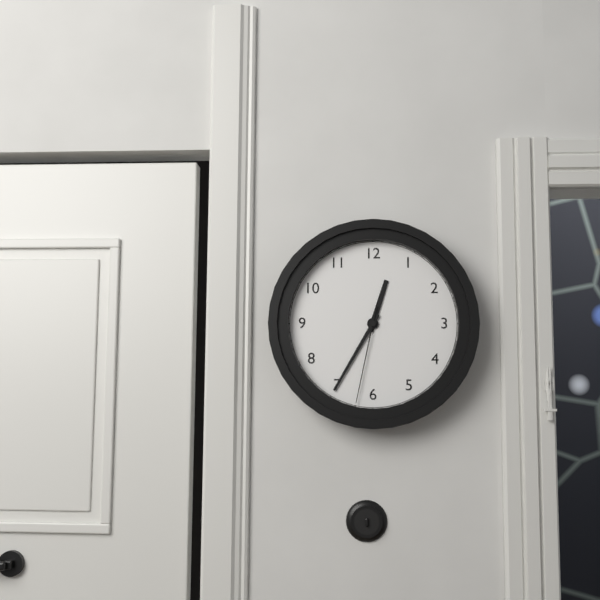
12:35:32
